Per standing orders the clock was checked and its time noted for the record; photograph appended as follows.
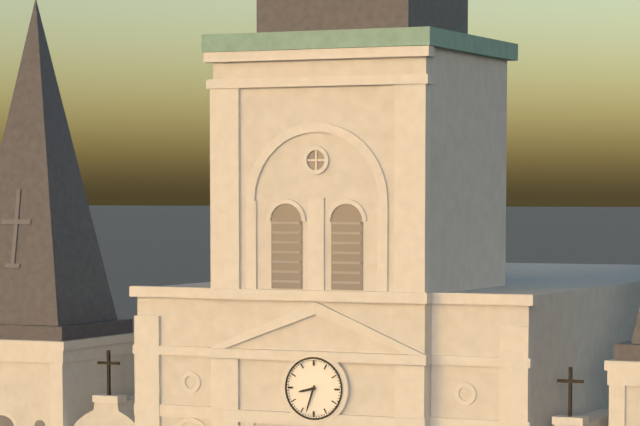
8:33
